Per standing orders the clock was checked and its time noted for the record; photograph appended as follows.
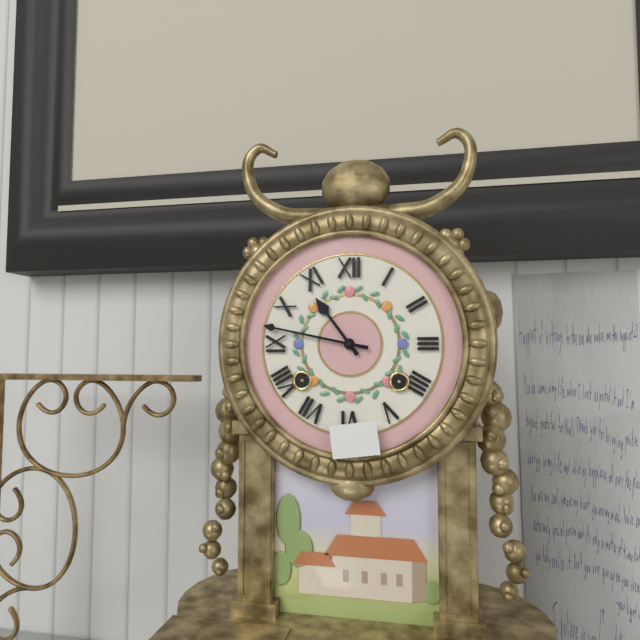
10:47
